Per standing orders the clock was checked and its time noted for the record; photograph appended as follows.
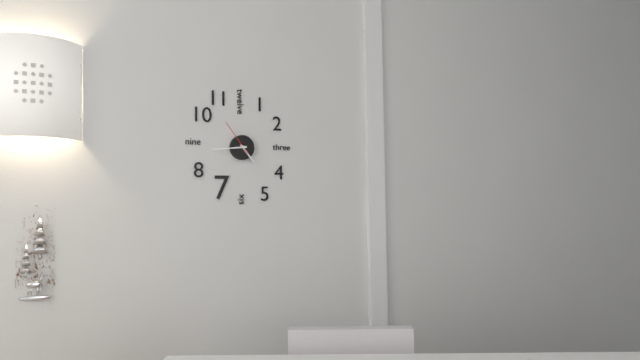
4:44
